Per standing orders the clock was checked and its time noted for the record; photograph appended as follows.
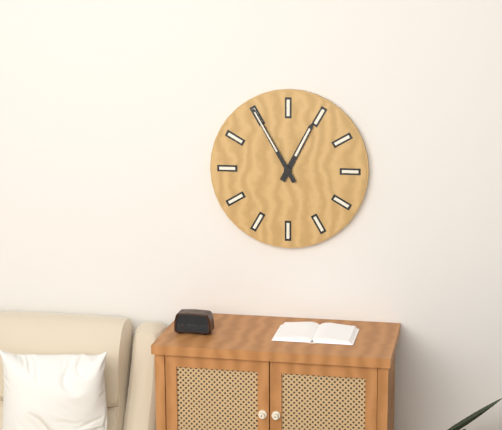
12:55
